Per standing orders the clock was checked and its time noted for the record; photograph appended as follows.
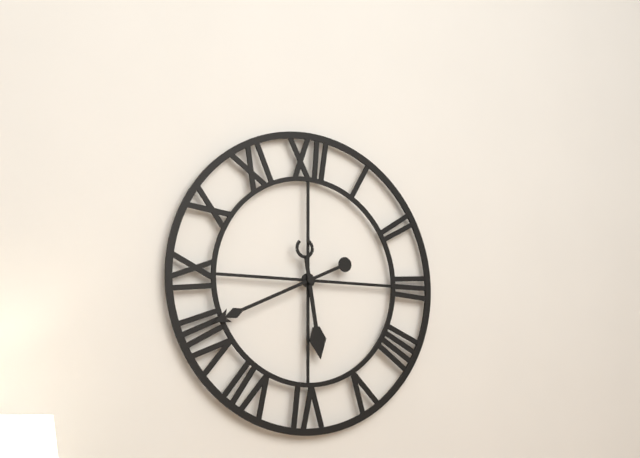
5:41
